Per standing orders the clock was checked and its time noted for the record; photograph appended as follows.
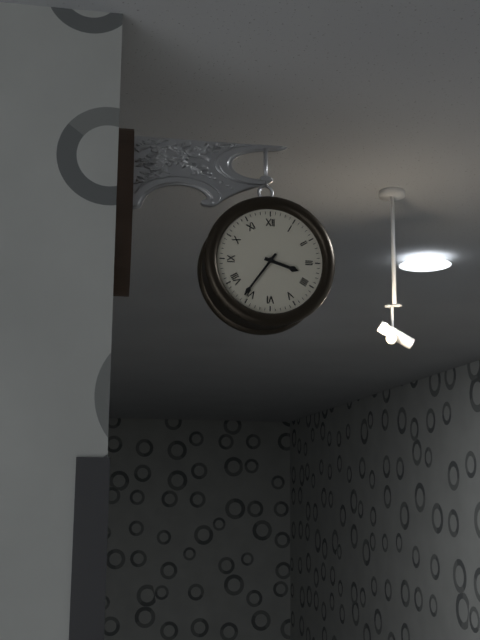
3:36
